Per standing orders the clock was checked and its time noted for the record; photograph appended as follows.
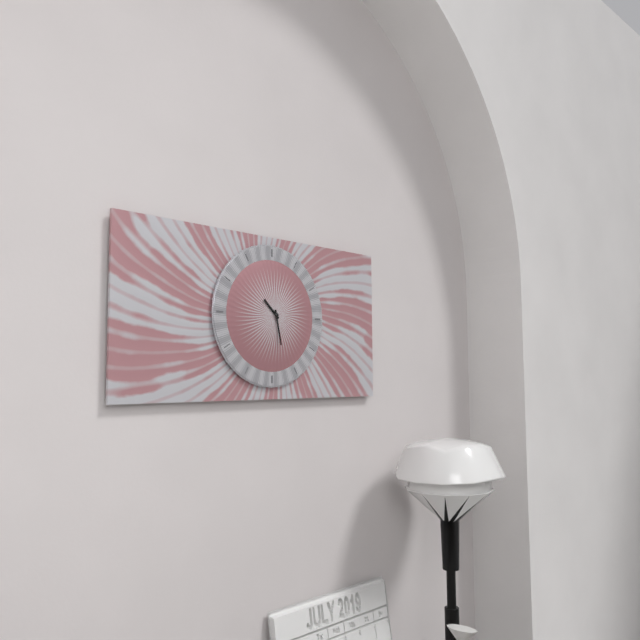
10:28
